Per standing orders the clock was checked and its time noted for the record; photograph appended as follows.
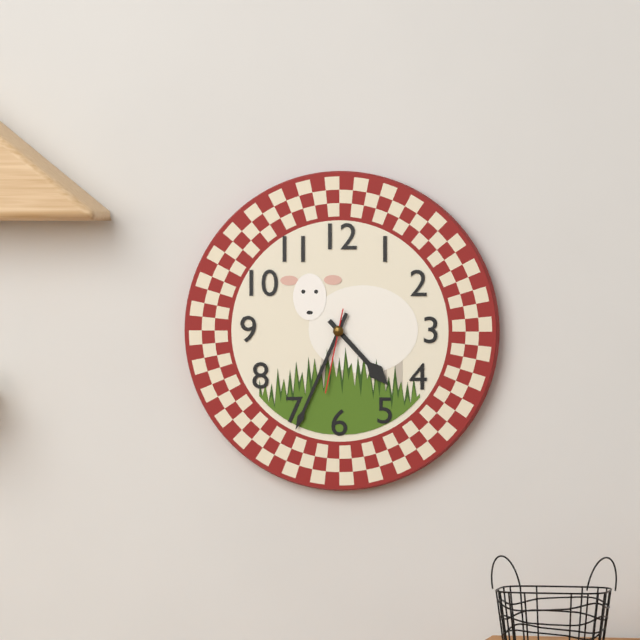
4:34:32
